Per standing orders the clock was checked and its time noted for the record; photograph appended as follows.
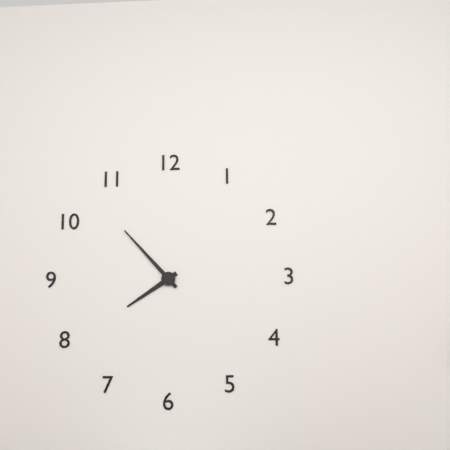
7:53
